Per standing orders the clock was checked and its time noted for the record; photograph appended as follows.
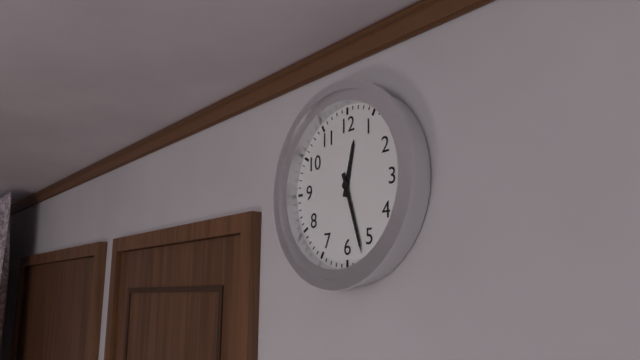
12:27
